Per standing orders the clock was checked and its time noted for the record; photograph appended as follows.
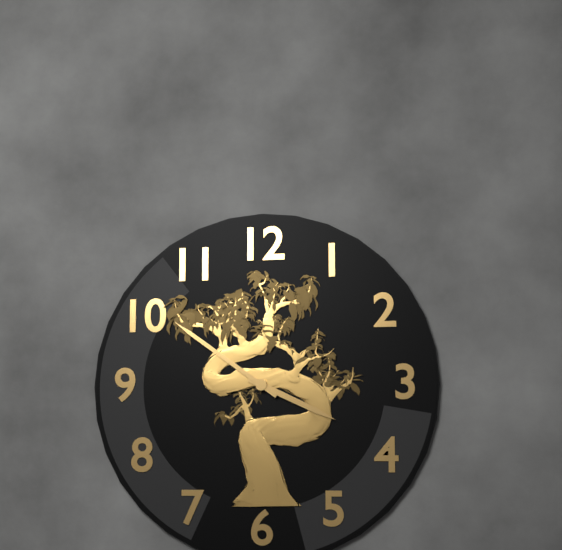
3:51
